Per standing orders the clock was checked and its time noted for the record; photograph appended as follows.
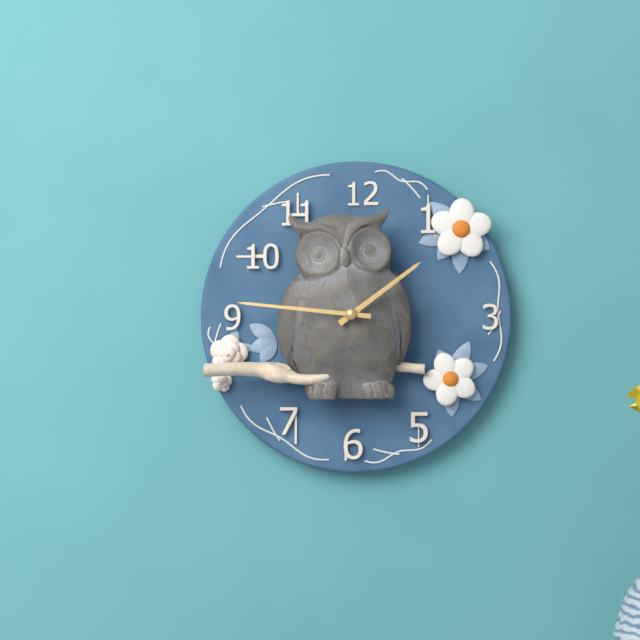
1:46
